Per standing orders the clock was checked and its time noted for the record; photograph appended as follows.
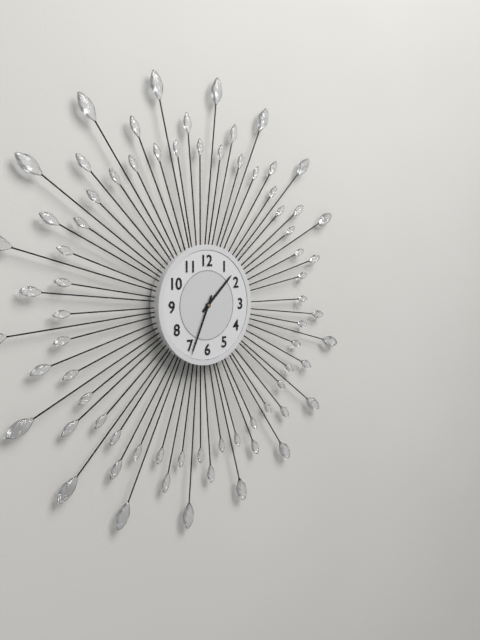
1:34
